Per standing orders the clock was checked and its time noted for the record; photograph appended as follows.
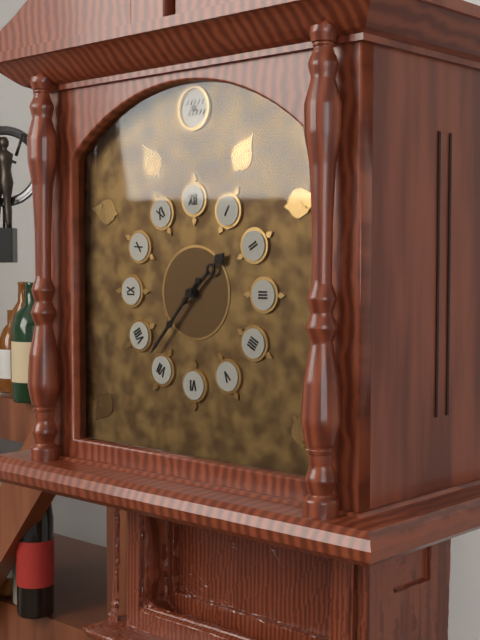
1:37
